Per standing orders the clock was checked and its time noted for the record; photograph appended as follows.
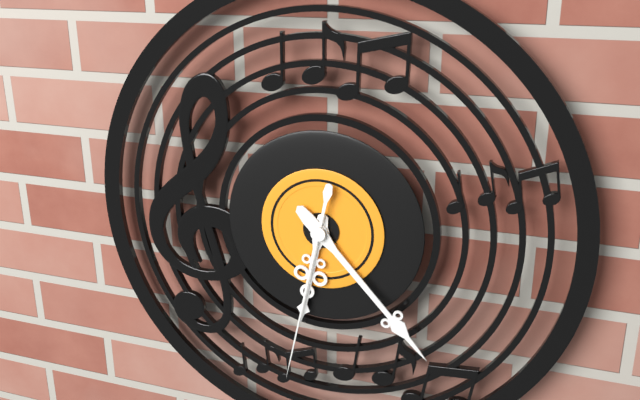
6:23:32
